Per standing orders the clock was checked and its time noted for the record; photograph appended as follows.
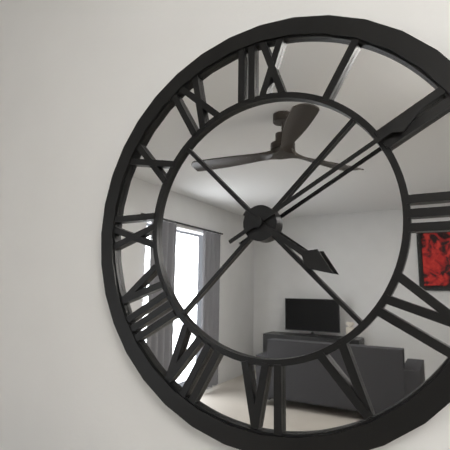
4:10
